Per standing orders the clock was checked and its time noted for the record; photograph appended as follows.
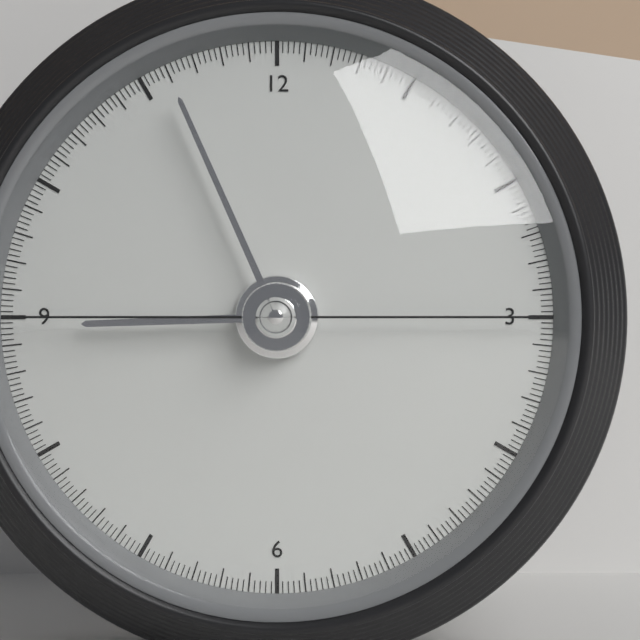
8:56:45
